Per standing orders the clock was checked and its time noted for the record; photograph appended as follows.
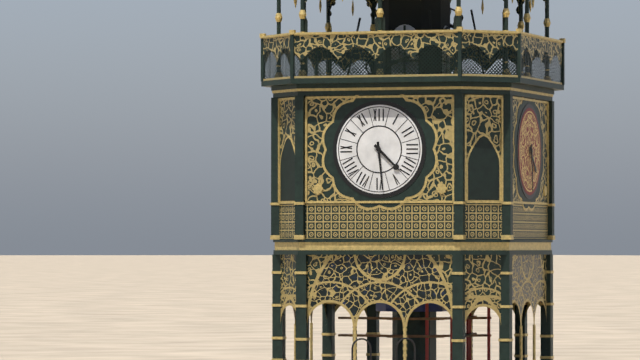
4:29
